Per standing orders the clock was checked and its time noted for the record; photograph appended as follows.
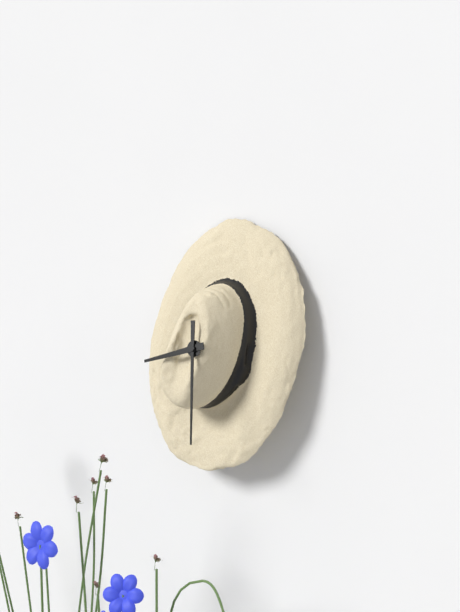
8:29
